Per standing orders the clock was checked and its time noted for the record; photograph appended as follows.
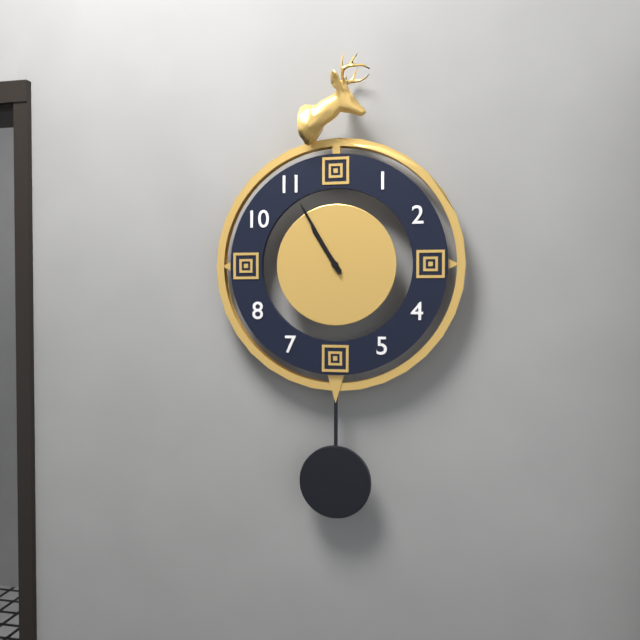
10:55
